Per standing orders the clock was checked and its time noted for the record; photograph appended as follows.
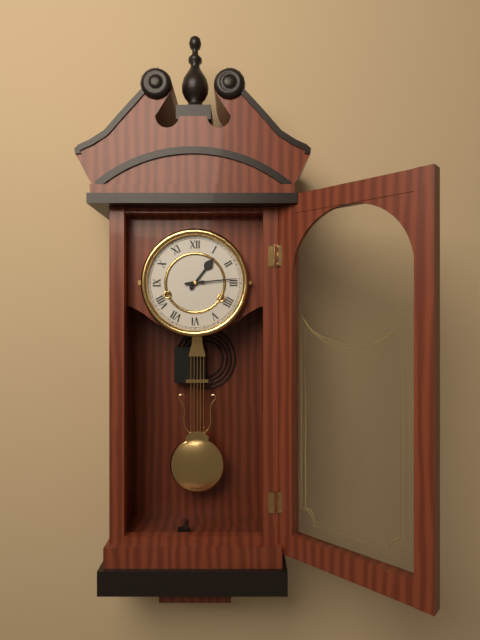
1:14
